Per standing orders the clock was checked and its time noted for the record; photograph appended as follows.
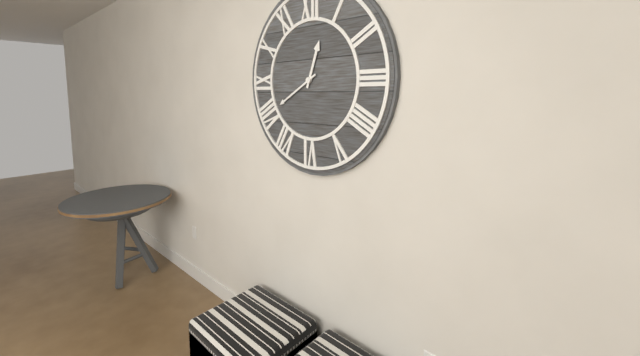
12:40
